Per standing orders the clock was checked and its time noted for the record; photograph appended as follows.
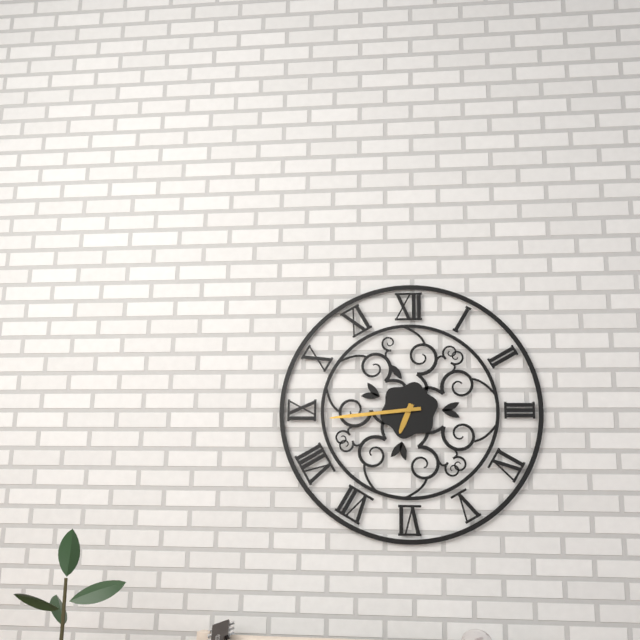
6:44
